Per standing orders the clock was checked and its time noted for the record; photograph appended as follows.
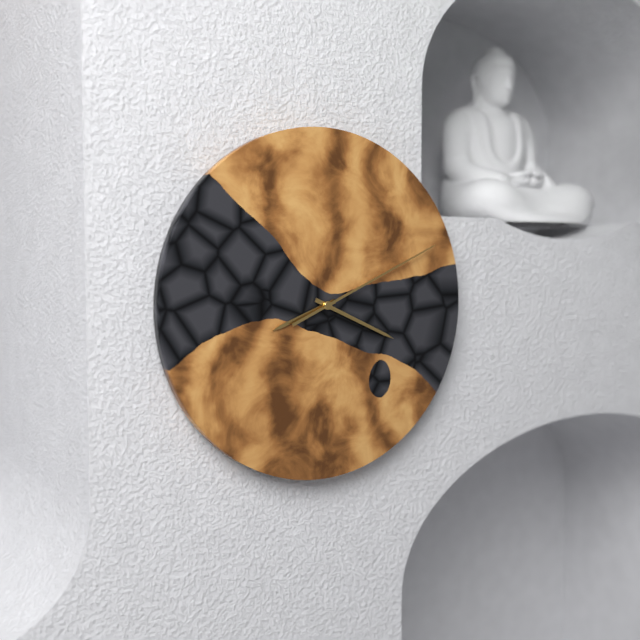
8:19:11
